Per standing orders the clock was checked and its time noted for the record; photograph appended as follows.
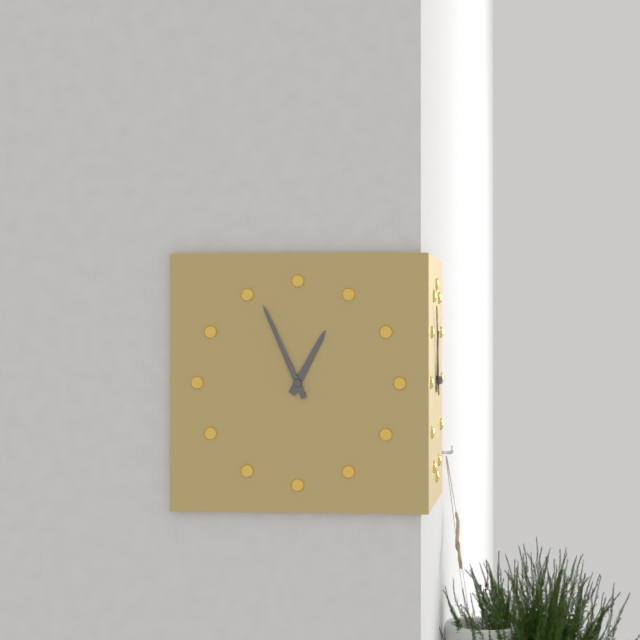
12:56
